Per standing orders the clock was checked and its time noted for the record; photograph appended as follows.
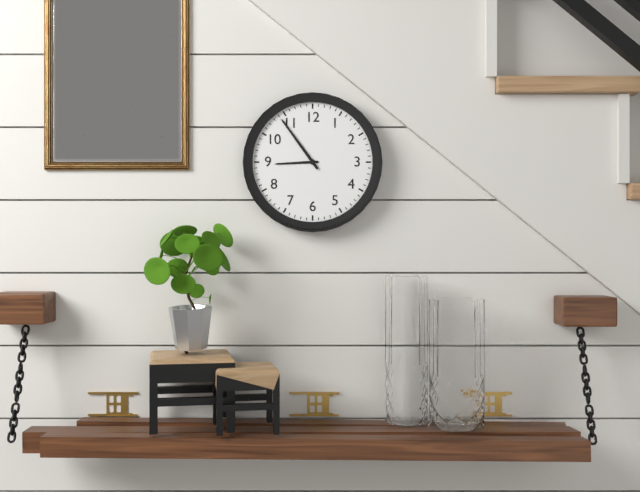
8:54
